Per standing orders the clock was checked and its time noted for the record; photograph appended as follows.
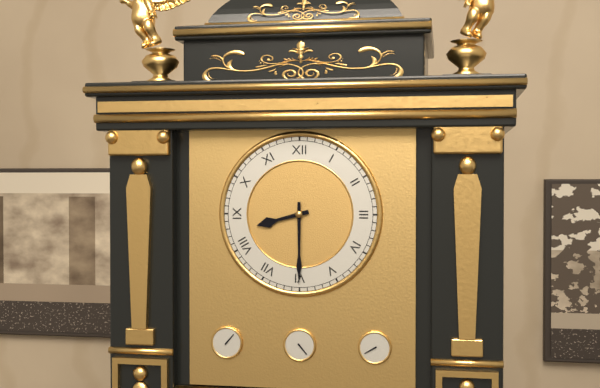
8:30
